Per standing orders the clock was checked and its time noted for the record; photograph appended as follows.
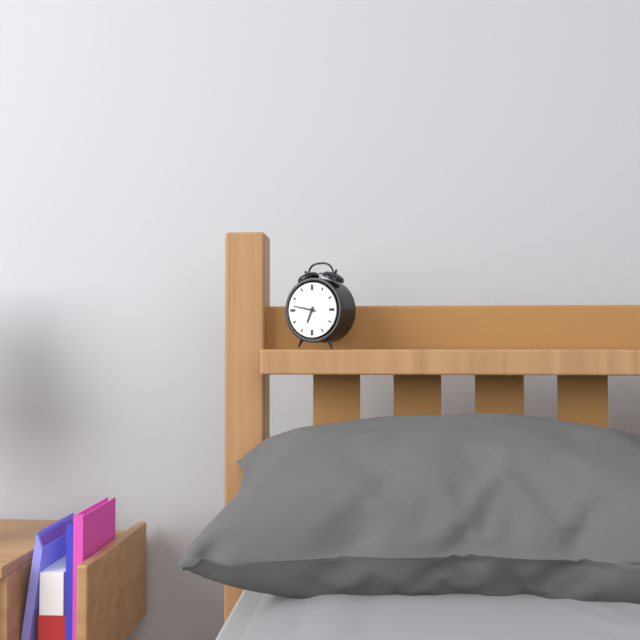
6:47
